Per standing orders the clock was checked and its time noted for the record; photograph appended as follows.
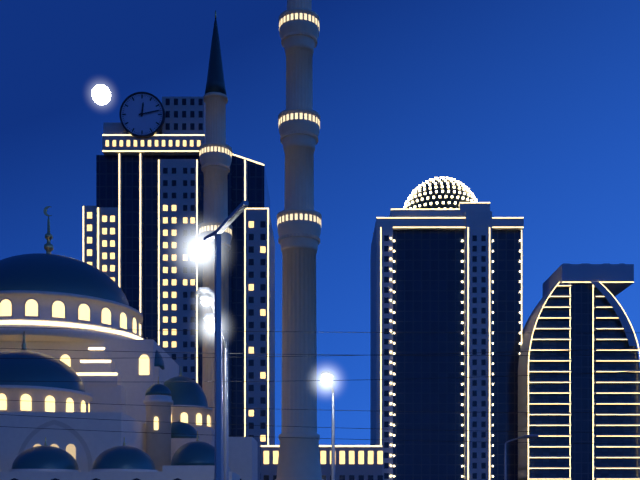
12:13
